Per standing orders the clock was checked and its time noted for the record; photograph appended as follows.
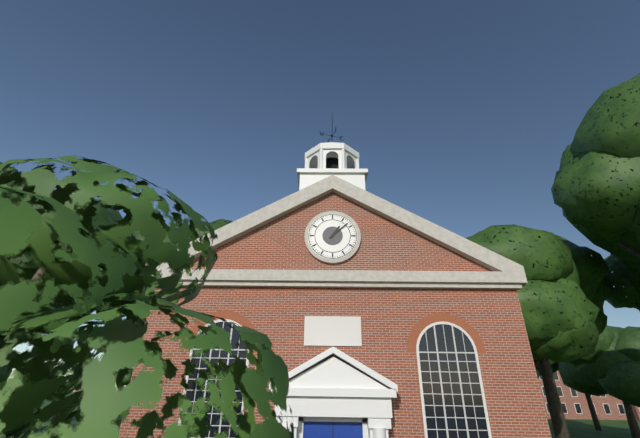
1:08
